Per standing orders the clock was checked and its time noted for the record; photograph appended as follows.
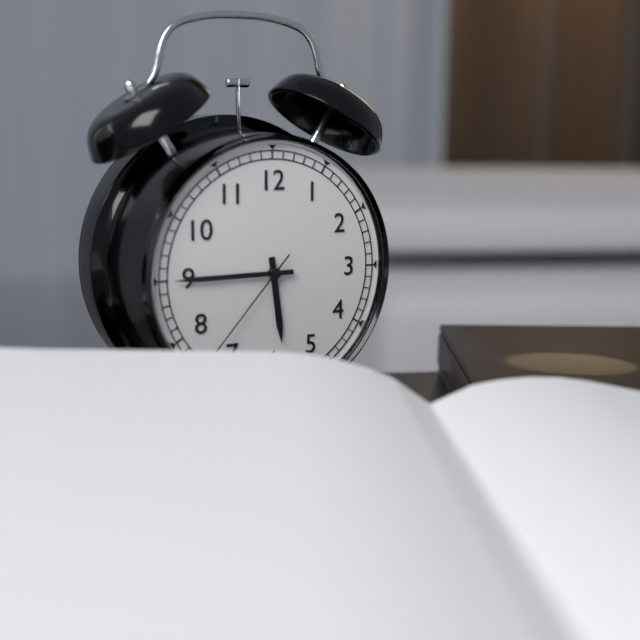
5:45:37
